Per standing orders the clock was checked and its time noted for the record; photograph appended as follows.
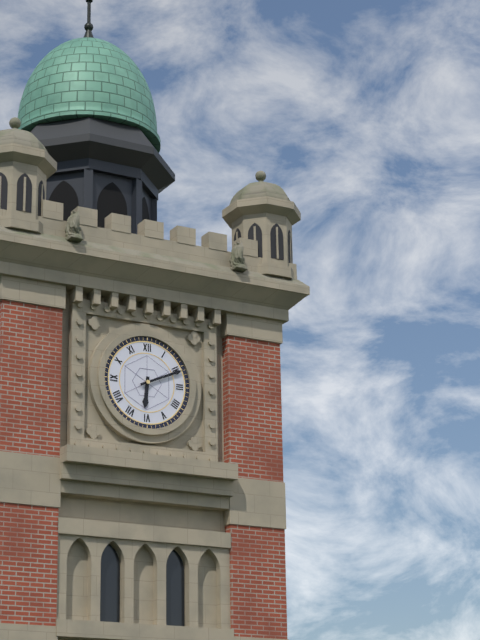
6:11
